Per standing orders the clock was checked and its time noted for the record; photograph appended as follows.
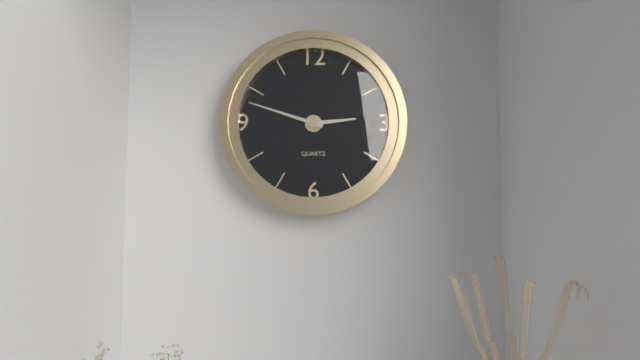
2:48
